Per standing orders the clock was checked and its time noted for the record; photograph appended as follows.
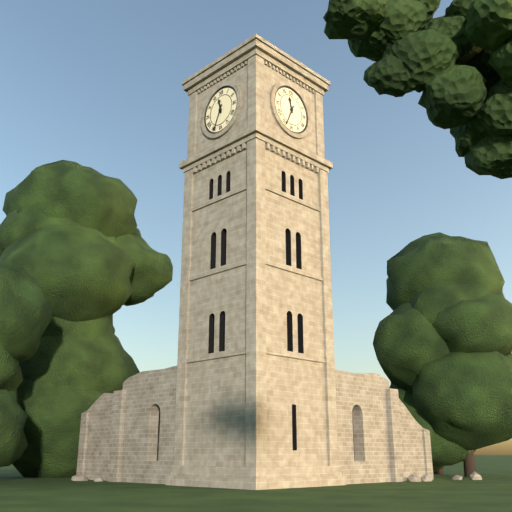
11:34
